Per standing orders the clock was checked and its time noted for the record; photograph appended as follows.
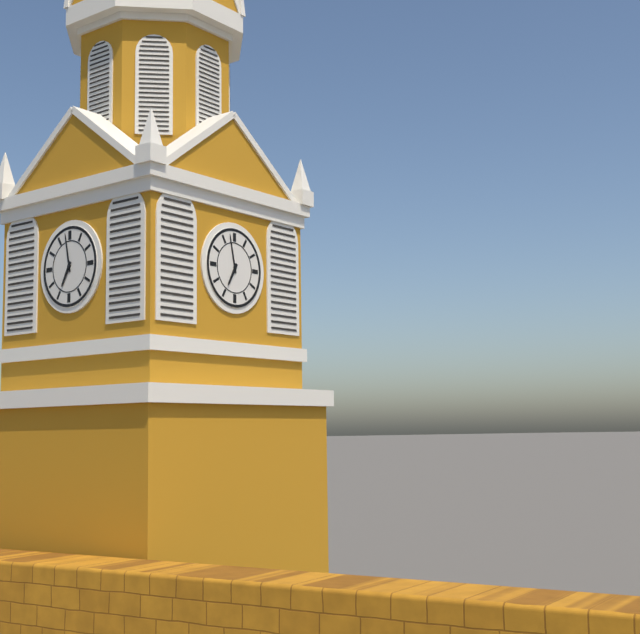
6:58
